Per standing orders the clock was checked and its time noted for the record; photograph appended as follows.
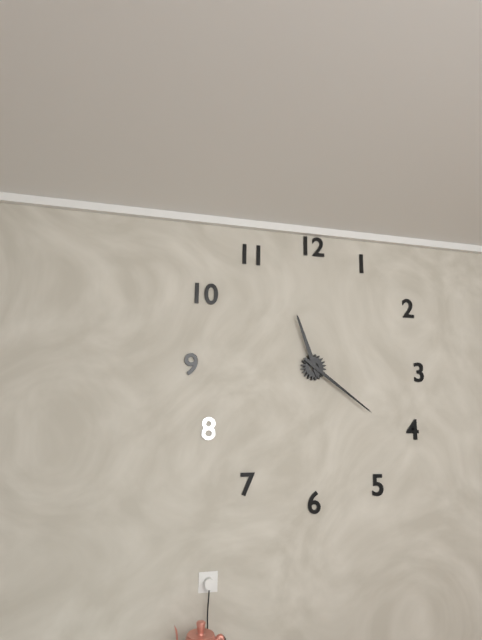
11:21
